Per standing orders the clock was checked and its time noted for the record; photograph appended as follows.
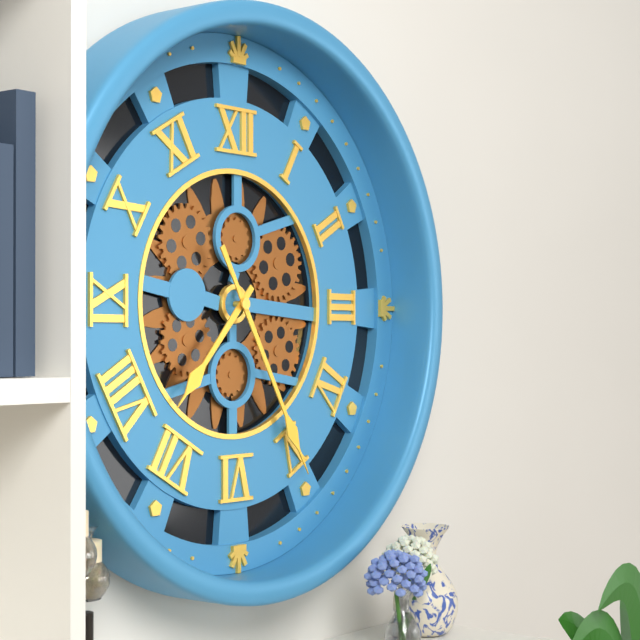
7:25
